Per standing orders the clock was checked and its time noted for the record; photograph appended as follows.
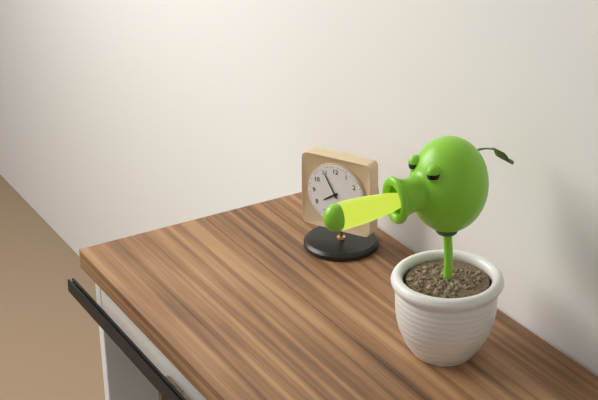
7:55
